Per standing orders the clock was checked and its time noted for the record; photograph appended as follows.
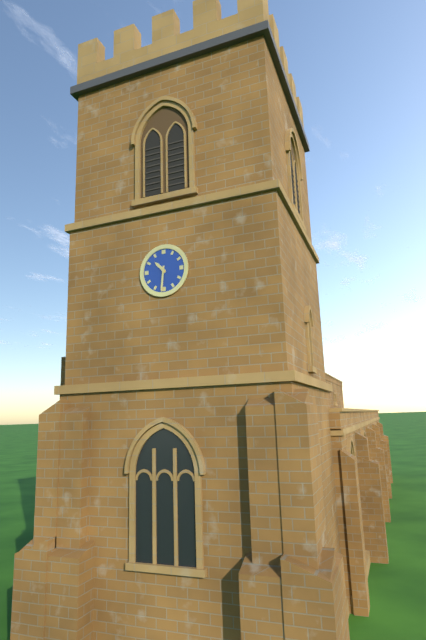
10:31
